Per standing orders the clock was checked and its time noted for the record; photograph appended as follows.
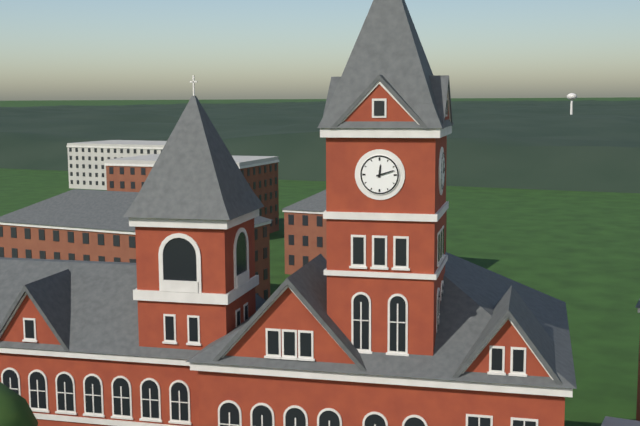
12:12
